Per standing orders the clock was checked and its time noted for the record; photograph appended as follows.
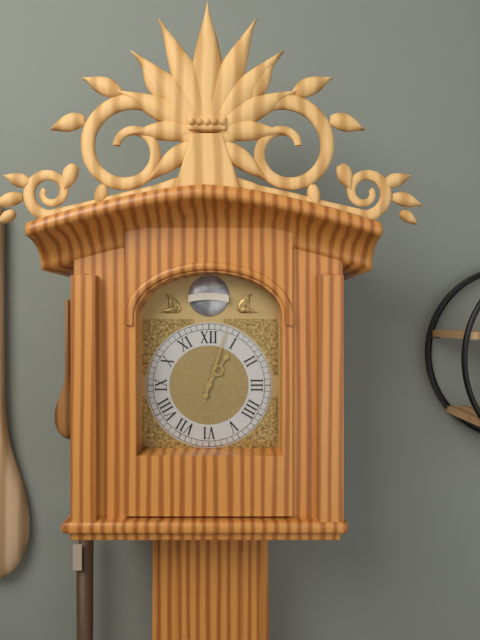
1:03
